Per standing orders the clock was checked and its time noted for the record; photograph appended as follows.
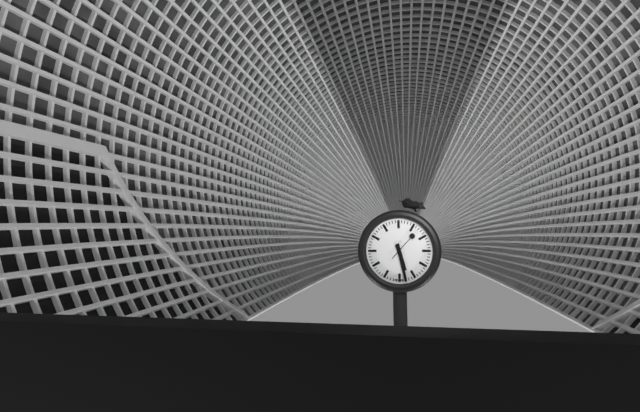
5:28
